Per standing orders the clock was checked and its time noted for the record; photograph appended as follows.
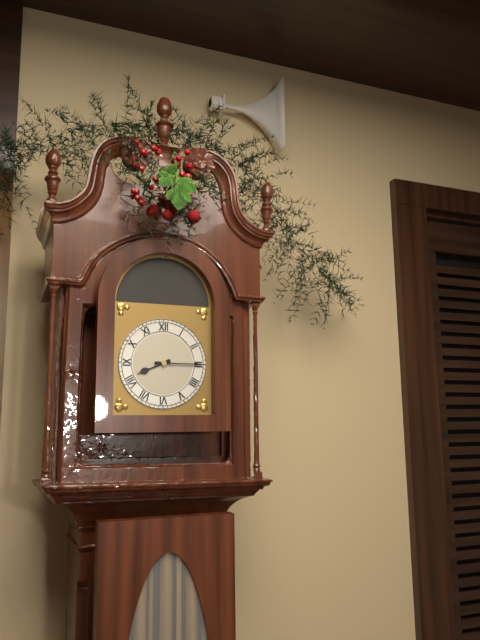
8:15
